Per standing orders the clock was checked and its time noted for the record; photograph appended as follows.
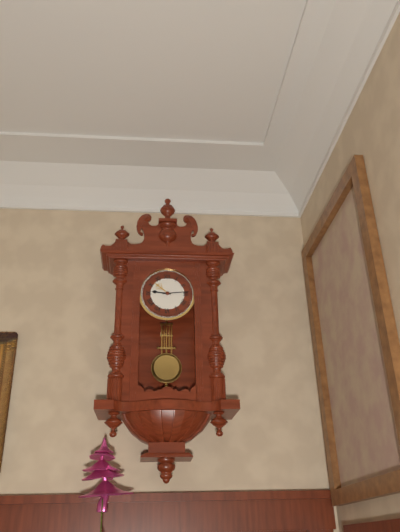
9:14
